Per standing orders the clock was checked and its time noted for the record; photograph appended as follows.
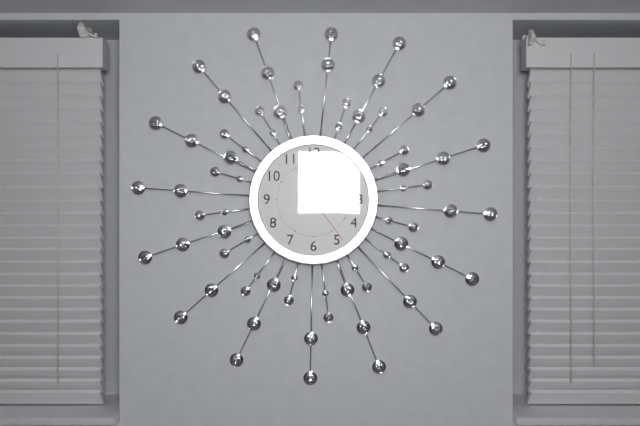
2:10:24
